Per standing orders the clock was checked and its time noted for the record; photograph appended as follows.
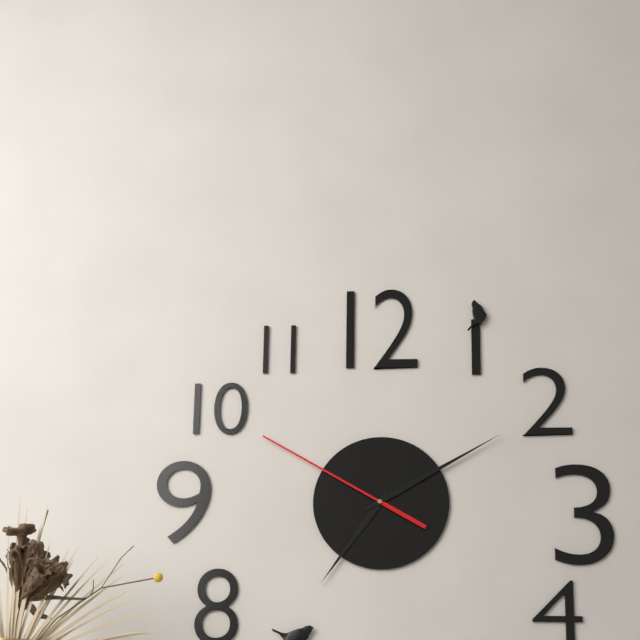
7:10:50
